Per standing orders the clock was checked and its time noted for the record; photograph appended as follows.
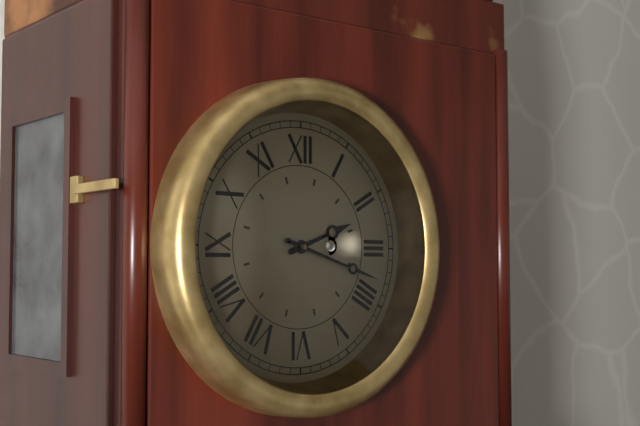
2:18
